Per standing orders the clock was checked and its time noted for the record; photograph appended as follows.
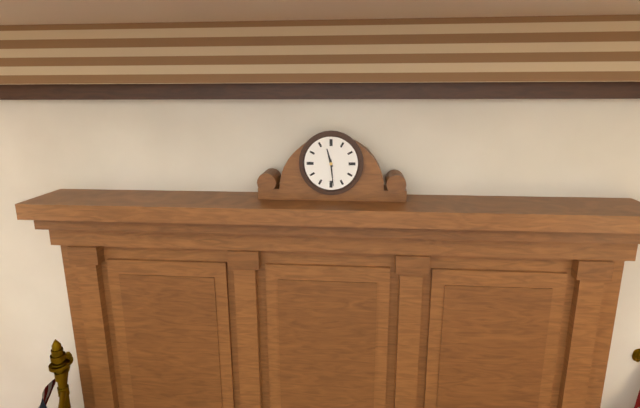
11:29
